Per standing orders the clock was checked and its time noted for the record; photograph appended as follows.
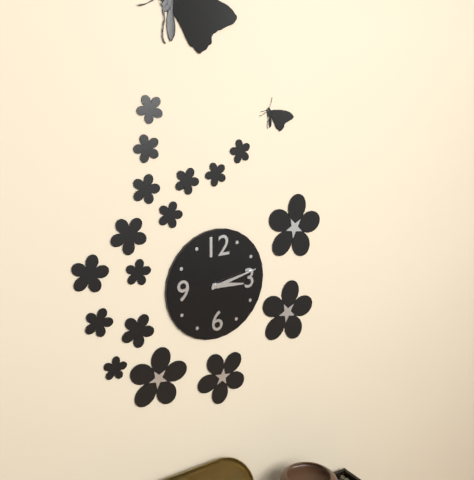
3:13
